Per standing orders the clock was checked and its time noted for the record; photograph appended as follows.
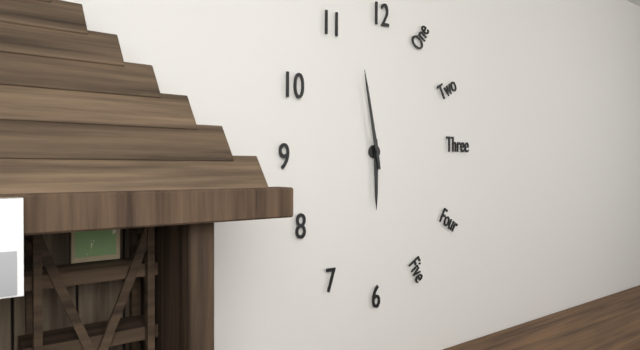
5:58
